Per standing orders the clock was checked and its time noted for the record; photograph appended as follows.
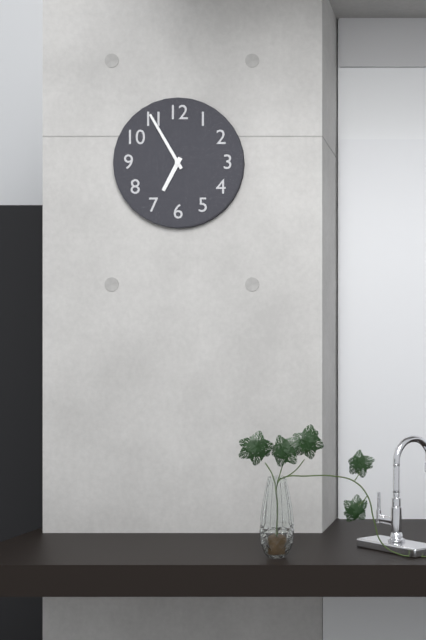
6:55
